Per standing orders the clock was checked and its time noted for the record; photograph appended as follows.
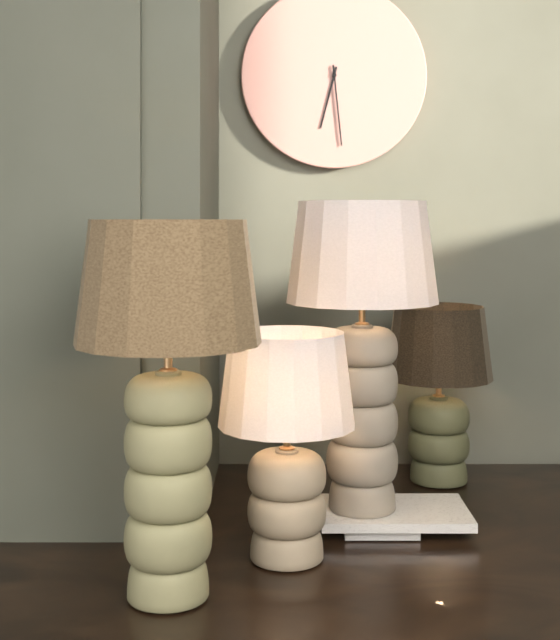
6:29
